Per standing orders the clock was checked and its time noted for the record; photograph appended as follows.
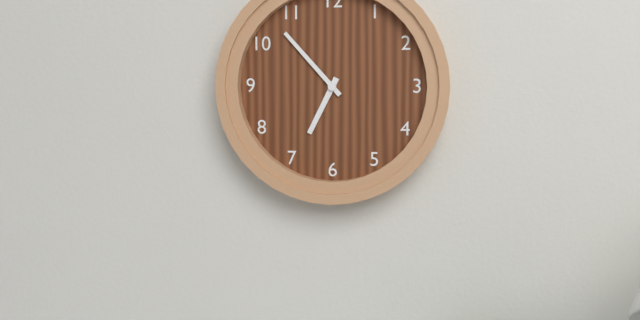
6:53
